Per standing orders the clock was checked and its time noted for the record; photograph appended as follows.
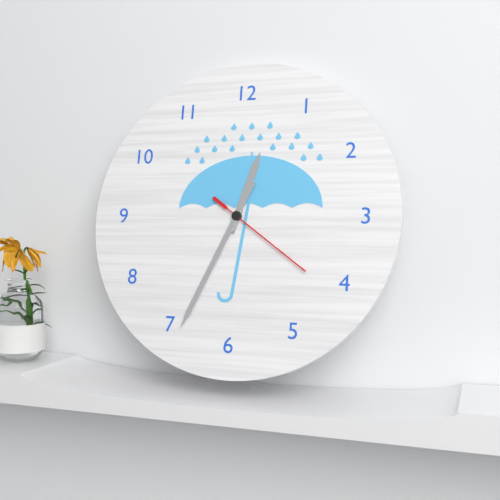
12:34:21
